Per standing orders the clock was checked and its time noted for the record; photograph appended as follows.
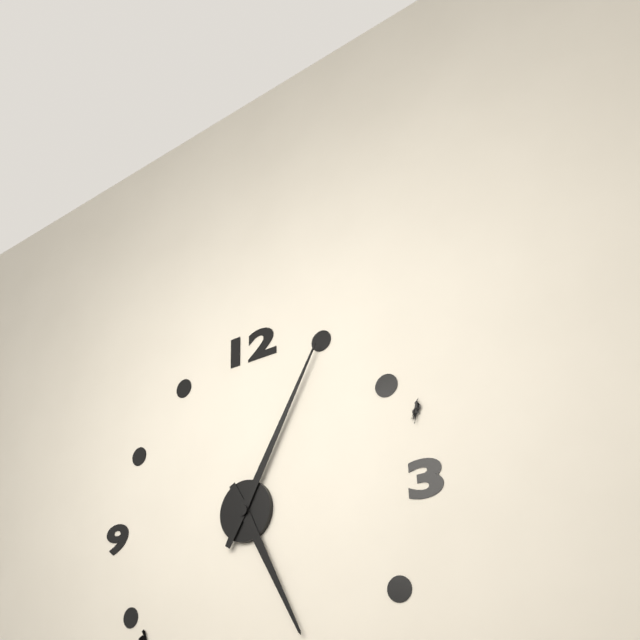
5:05
